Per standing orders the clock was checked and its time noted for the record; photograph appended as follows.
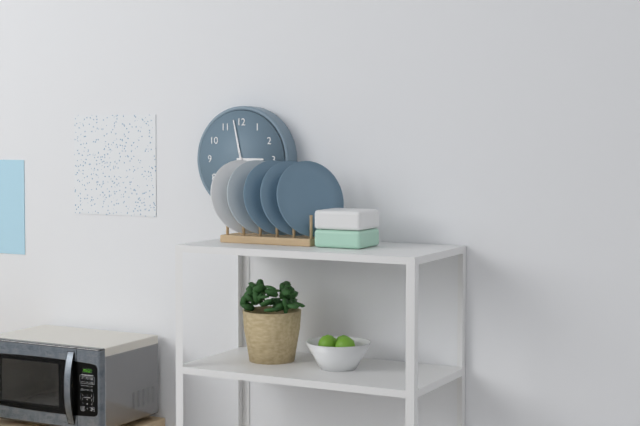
2:58
